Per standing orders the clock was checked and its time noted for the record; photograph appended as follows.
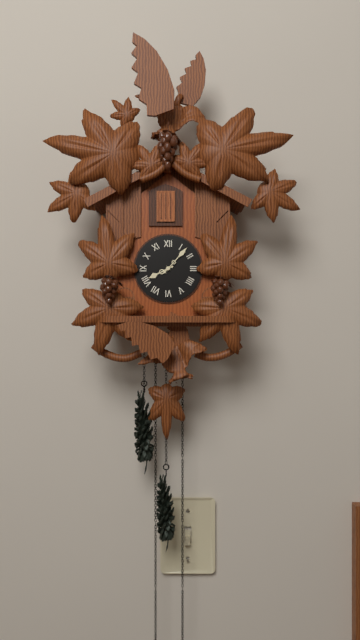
8:07
